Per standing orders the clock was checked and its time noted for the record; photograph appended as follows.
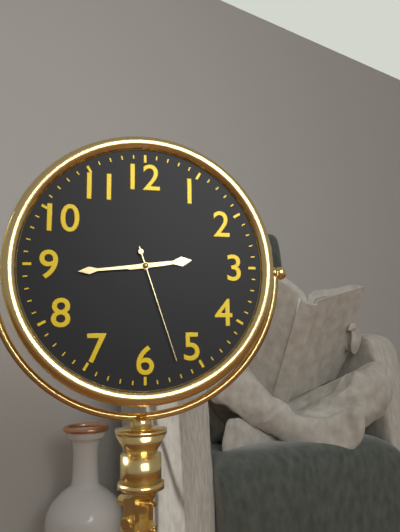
2:44:27
